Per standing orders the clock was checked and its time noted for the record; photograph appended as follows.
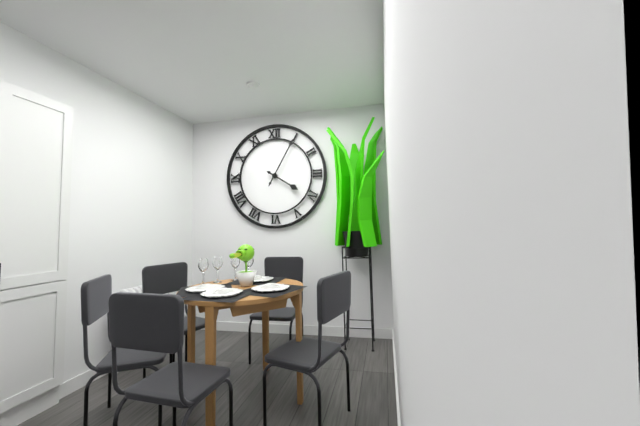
4:05
